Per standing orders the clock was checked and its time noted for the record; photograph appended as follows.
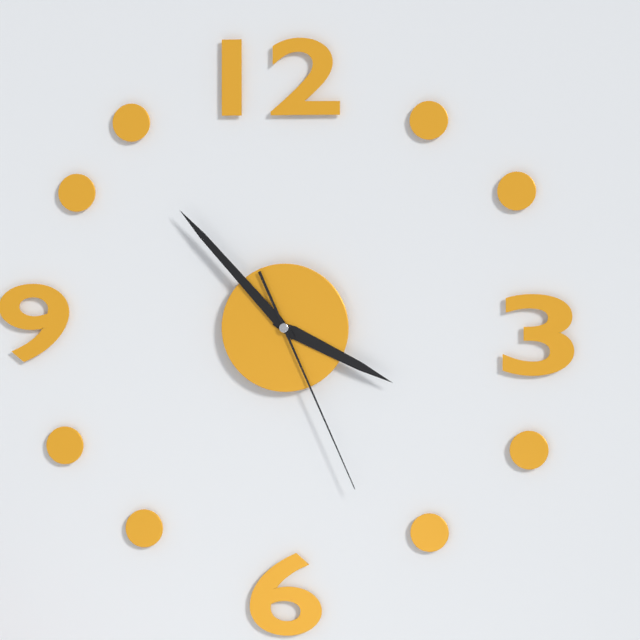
3:53:26
